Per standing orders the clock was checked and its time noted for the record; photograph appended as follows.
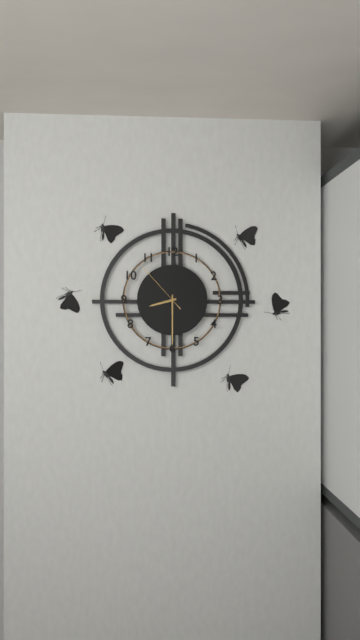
8:30:53
